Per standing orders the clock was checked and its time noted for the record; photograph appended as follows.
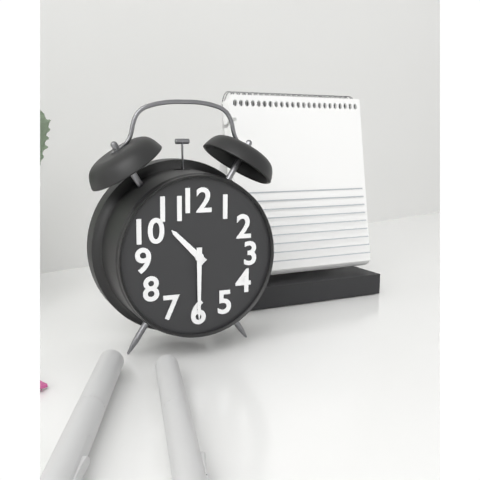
10:30
